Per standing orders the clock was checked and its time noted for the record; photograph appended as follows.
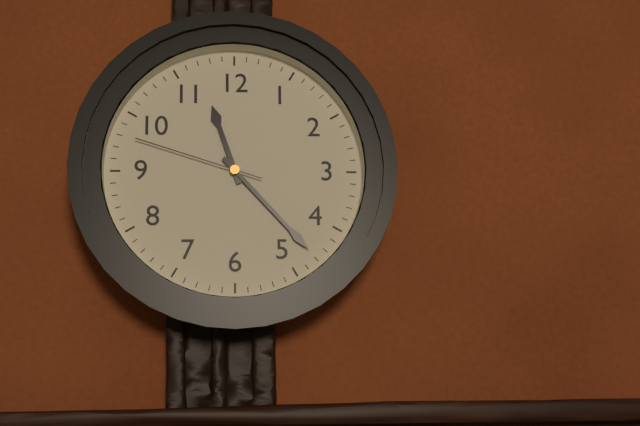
11:23:48
